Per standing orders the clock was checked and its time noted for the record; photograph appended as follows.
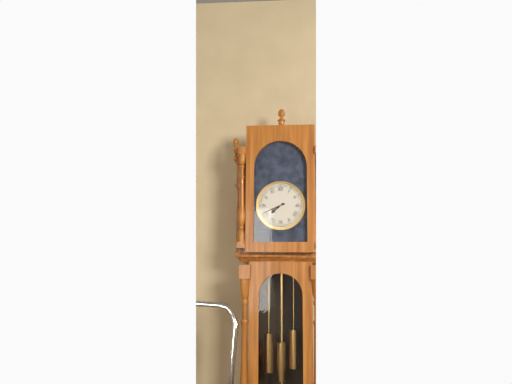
7:41
